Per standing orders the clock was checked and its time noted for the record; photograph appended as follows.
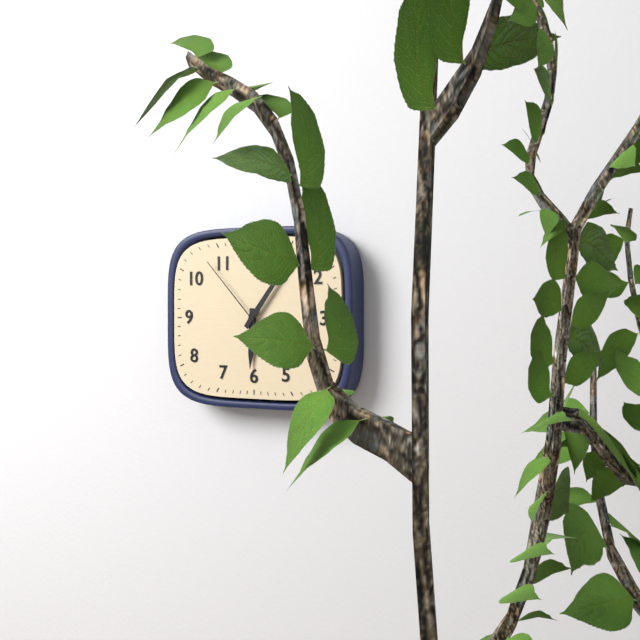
6:06:53
